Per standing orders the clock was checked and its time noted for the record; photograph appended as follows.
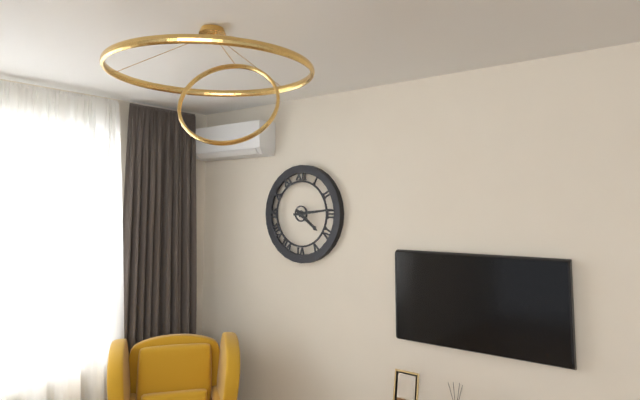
4:14
